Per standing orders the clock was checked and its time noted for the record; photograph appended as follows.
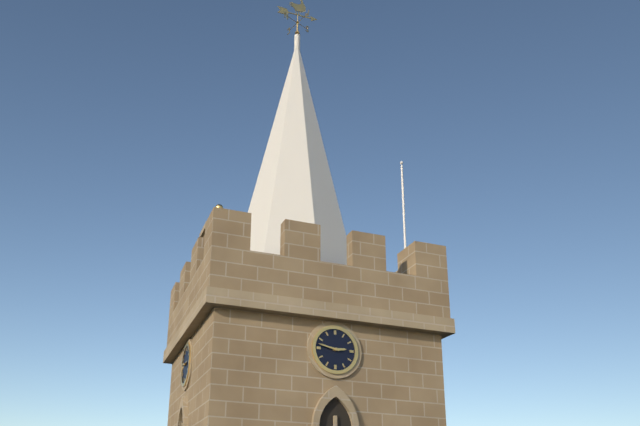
2:47
